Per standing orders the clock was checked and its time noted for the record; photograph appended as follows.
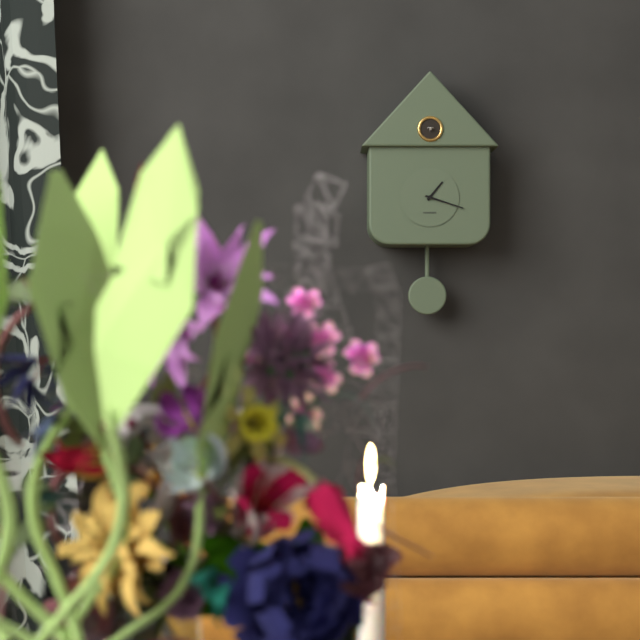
1:18
